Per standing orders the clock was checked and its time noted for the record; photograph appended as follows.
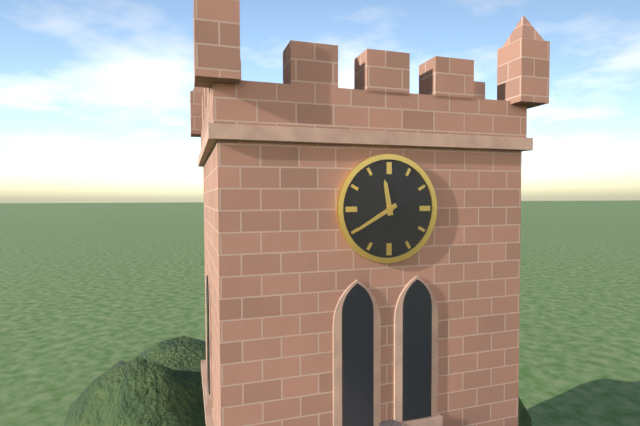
11:40
